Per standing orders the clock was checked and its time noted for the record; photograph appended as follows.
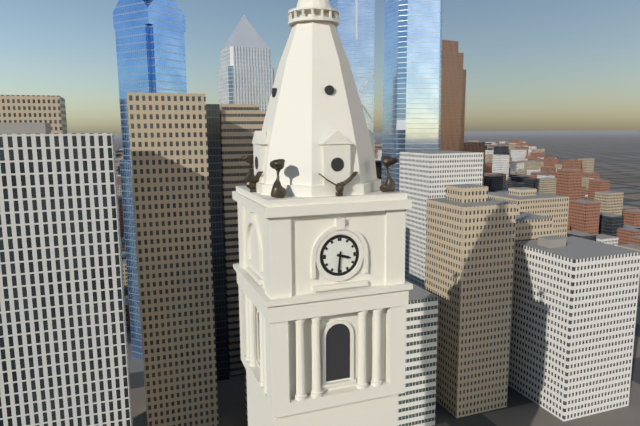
3:31
